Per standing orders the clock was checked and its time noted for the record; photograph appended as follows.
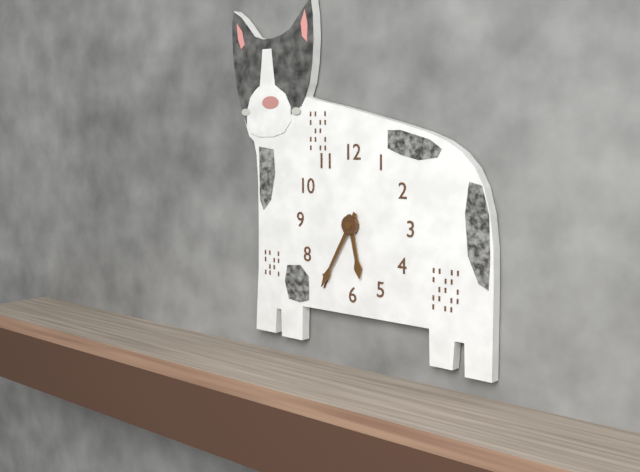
5:35
